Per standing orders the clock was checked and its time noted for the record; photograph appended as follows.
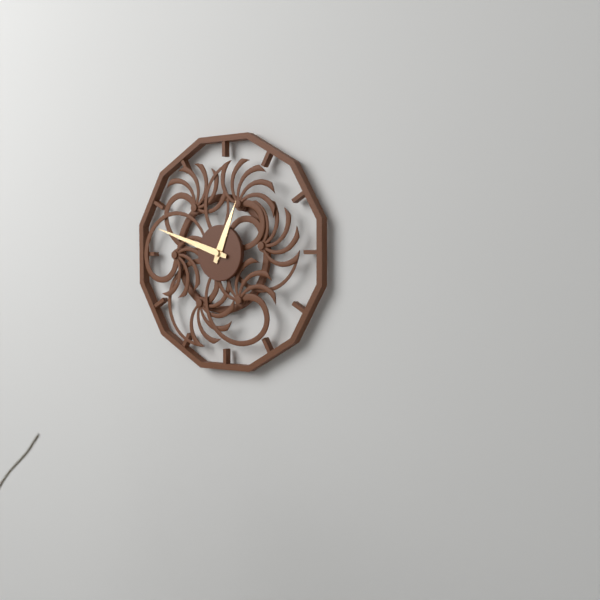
12:48
